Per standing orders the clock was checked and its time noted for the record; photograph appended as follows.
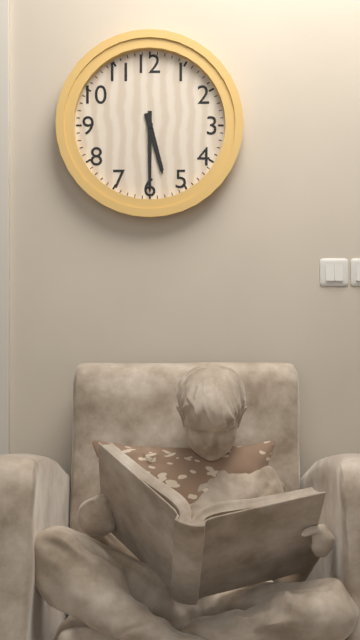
5:30
